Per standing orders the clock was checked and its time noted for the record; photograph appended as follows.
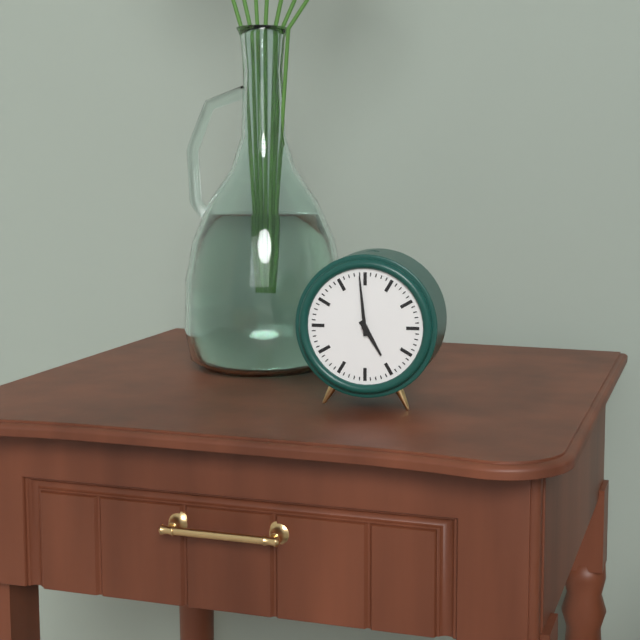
4:59
